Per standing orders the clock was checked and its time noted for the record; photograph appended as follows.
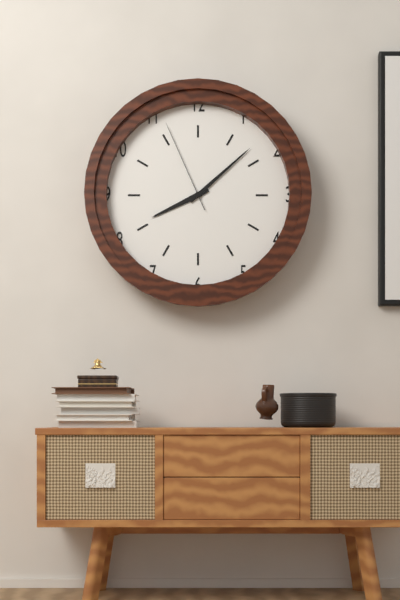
8:08:56
